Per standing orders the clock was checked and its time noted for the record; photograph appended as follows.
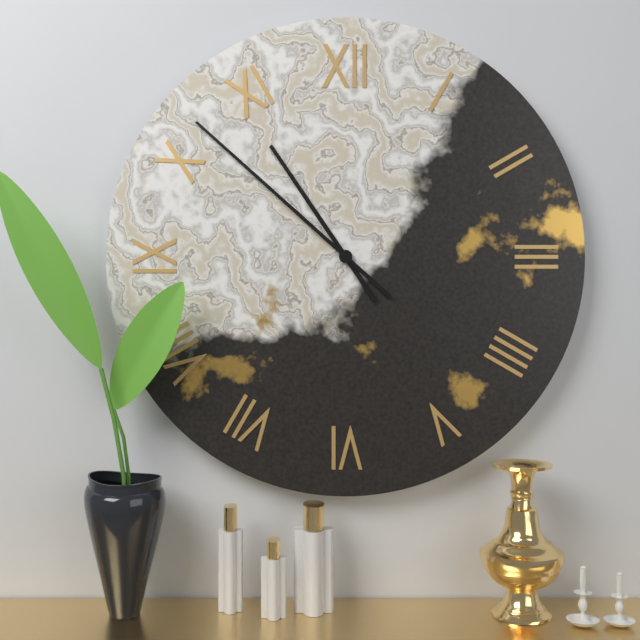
10:52
